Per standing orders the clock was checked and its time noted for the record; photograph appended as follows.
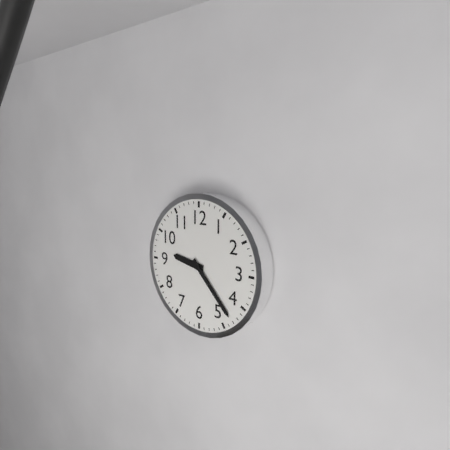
9:23
